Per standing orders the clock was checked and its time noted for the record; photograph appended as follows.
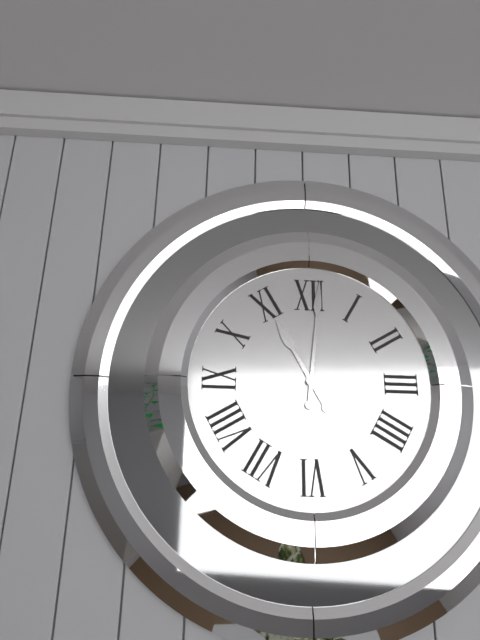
11:01
